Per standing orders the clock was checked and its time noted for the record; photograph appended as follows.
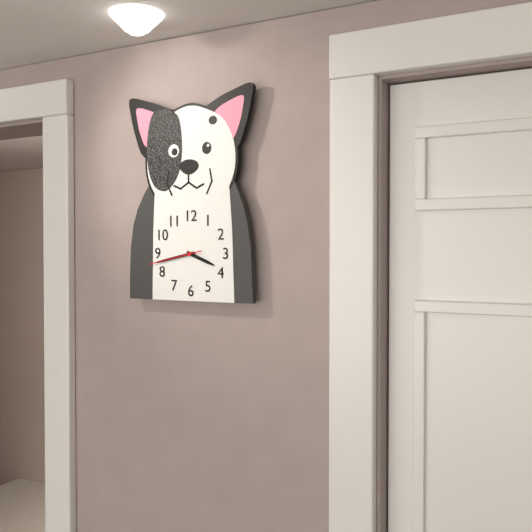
3:43:43
